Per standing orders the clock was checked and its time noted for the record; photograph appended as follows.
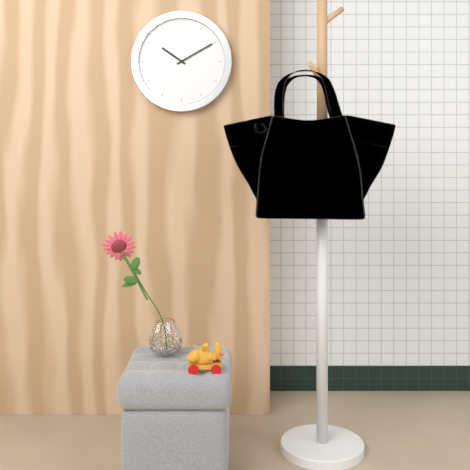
10:10
